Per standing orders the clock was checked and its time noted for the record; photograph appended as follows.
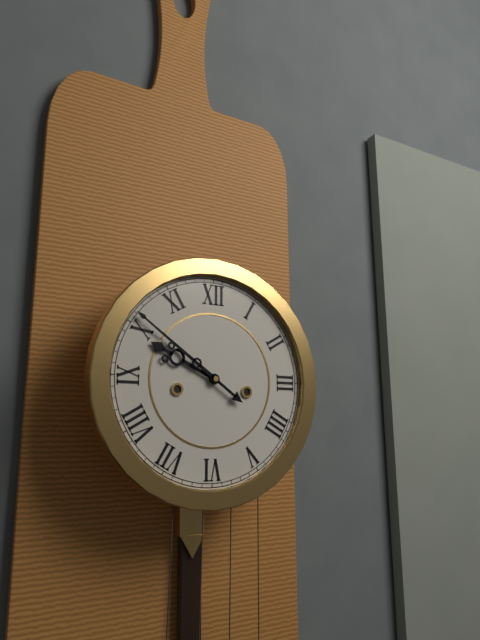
9:51
